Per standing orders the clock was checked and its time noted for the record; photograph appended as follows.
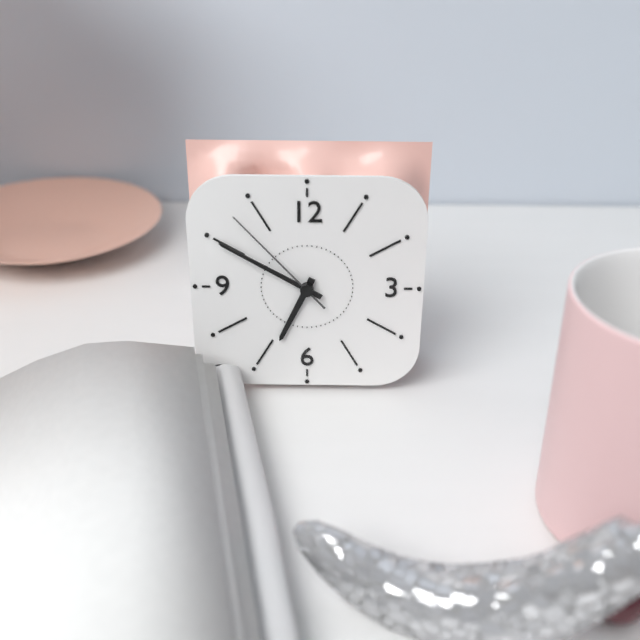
6:50:53
